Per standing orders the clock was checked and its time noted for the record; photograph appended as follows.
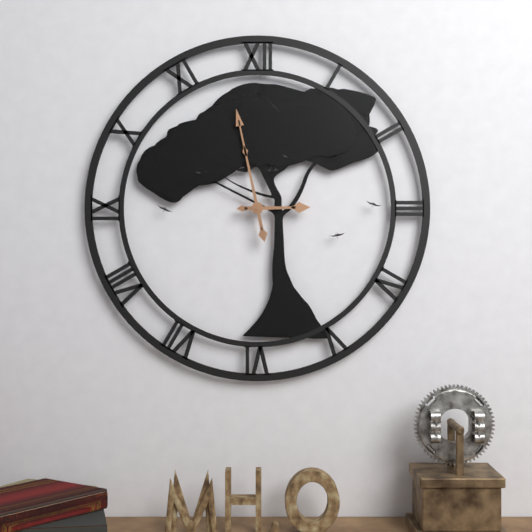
2:58
